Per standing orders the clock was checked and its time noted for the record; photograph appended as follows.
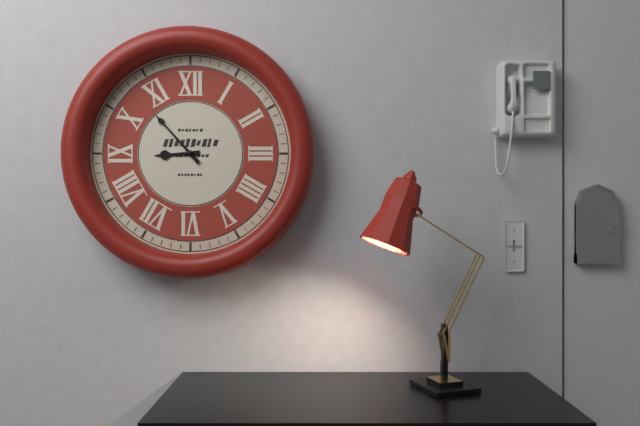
8:53
